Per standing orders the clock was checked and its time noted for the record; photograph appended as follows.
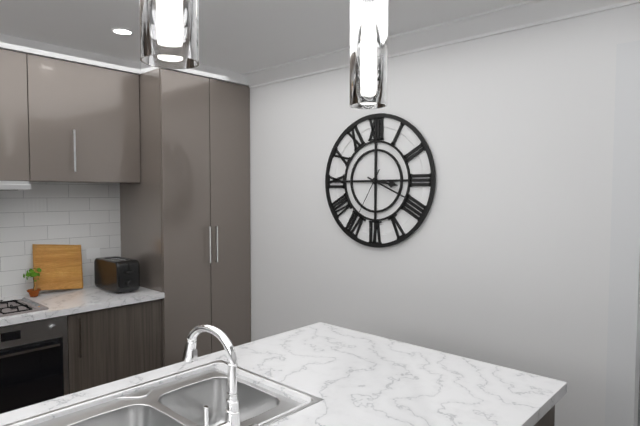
3:19:35
